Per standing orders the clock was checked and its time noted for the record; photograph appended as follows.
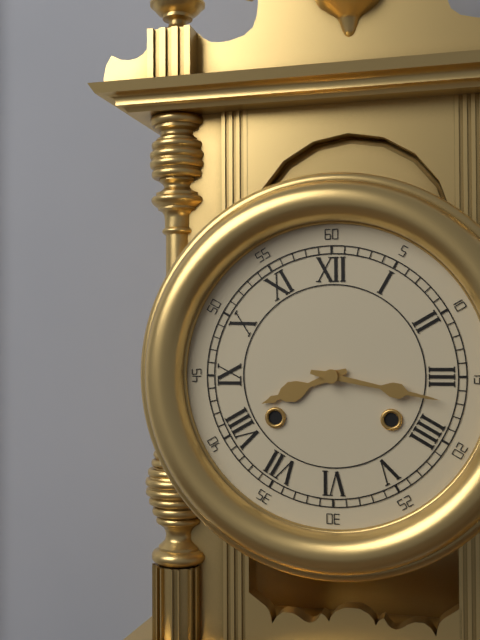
8:17
